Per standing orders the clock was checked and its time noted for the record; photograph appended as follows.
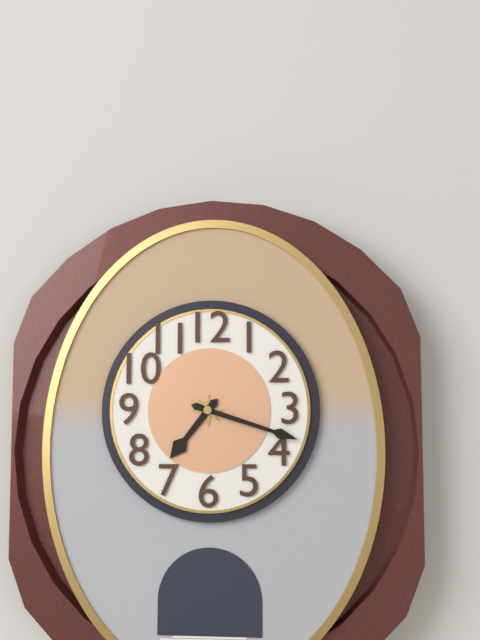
7:18
